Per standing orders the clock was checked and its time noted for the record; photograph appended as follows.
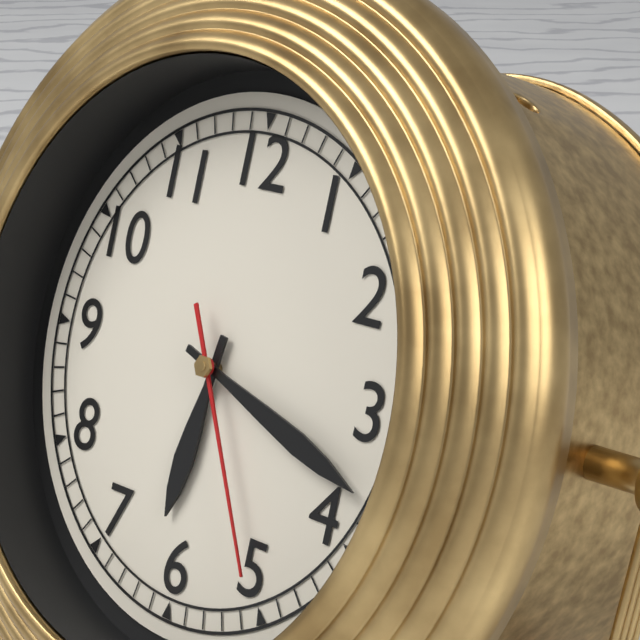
6:18:25
